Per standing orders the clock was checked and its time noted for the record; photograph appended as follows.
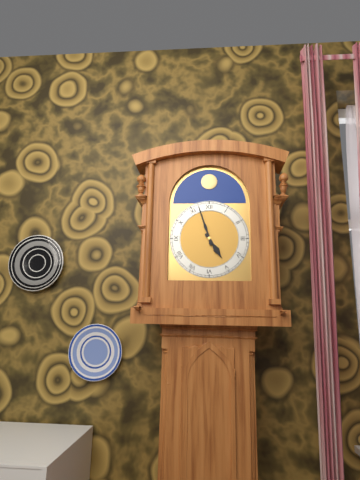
4:57
